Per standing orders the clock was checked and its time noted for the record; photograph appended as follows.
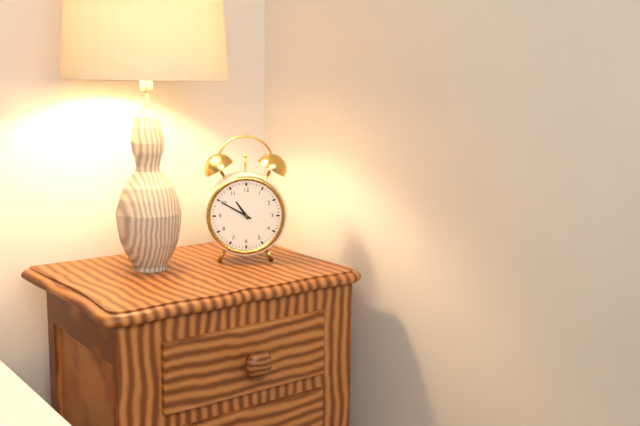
10:50
